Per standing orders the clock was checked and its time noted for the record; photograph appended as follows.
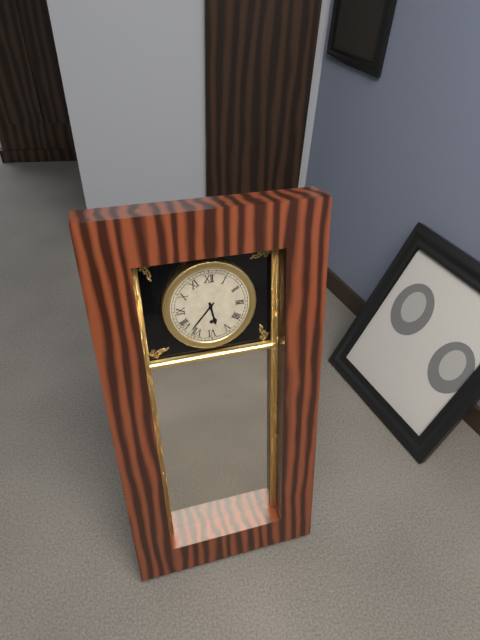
5:37
